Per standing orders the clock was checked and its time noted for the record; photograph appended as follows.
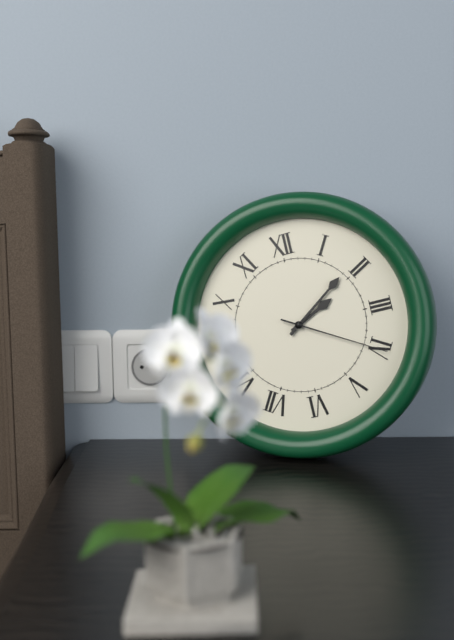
2:09:20
